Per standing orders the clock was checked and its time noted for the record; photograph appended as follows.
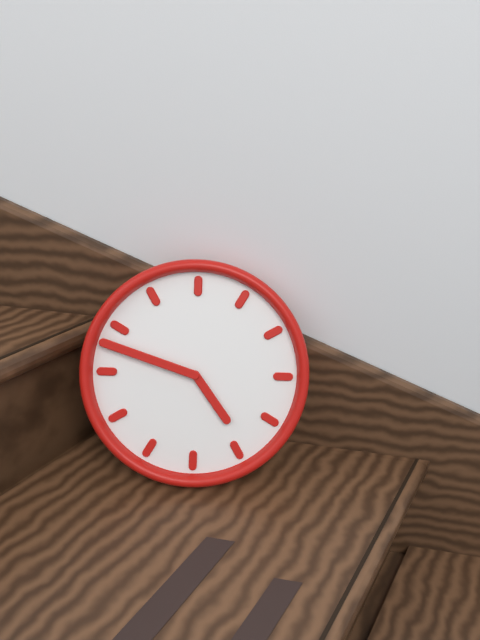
4:48
